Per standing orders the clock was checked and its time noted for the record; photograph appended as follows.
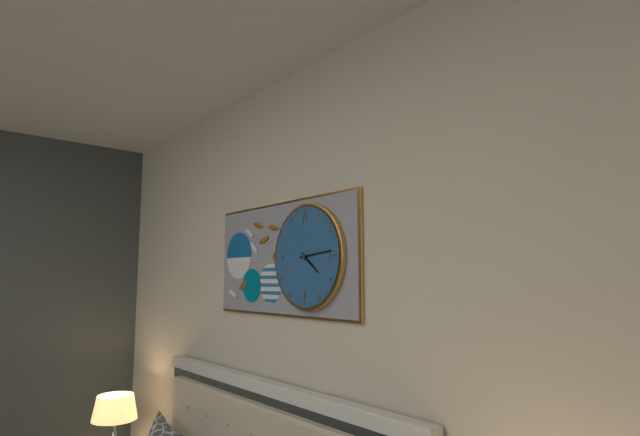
4:14
